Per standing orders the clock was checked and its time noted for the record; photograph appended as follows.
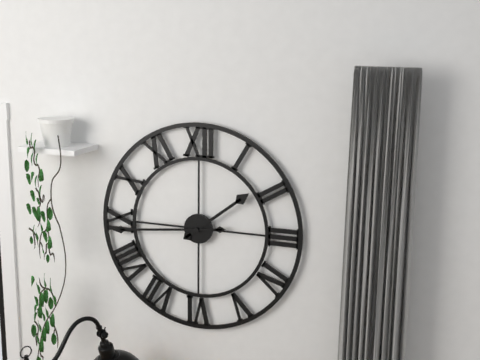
1:44
